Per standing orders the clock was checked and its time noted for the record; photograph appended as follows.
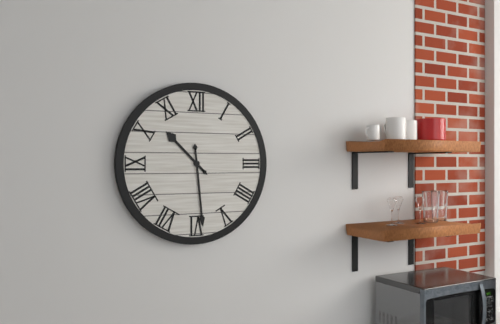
10:29
